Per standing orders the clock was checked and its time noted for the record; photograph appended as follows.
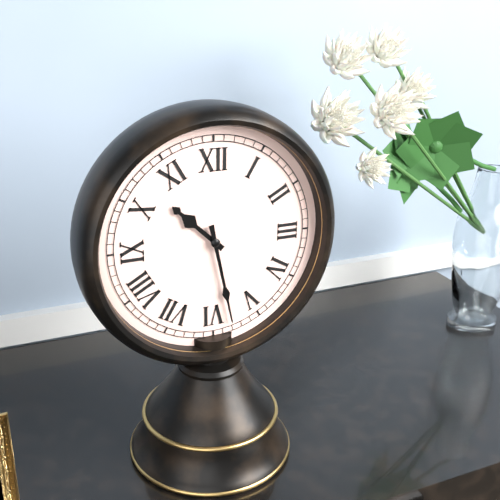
10:28
